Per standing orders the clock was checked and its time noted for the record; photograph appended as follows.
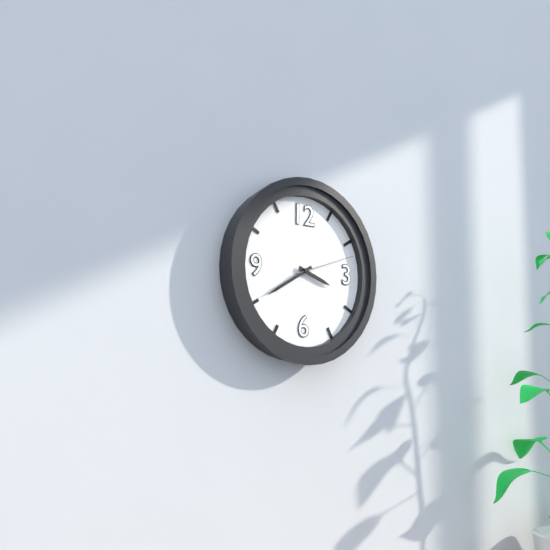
3:40:12
